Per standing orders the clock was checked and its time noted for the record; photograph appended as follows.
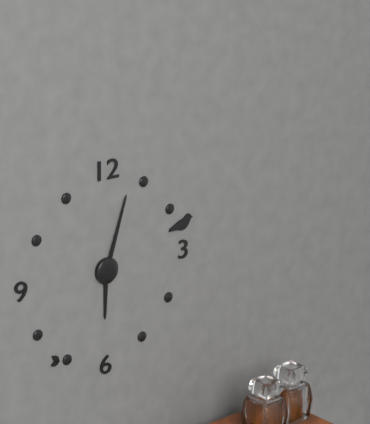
6:03
